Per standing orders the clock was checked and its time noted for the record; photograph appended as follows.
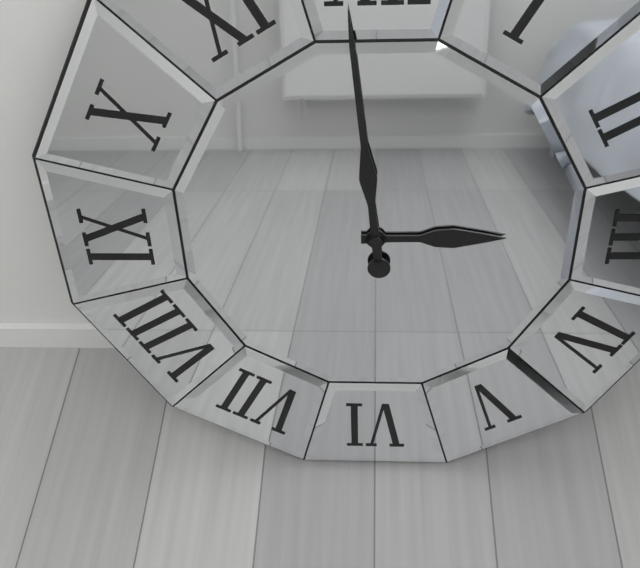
2:59
